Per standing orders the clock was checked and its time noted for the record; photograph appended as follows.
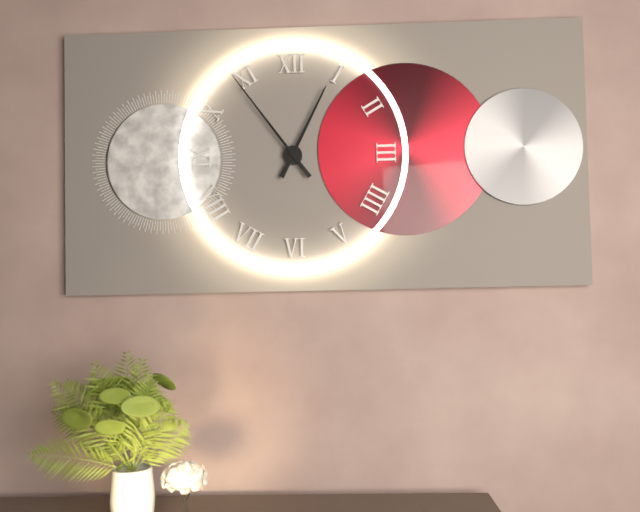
12:54
